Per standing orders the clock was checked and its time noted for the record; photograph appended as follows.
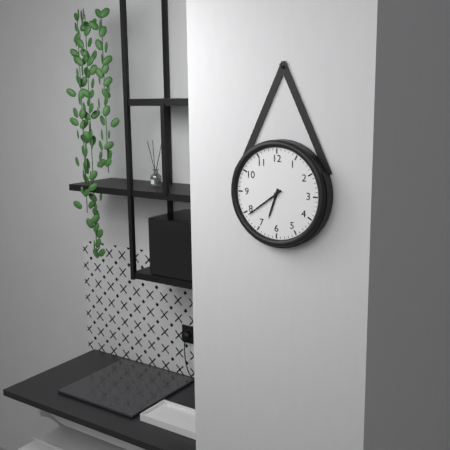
6:39
